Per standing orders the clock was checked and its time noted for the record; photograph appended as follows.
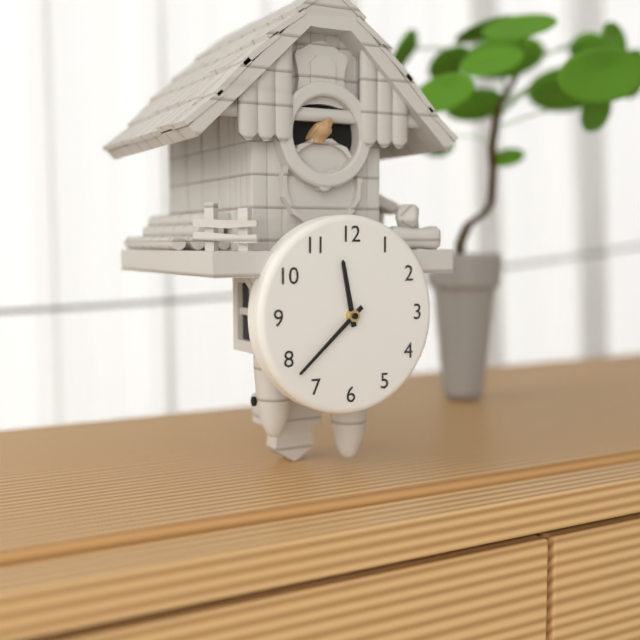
11:38
